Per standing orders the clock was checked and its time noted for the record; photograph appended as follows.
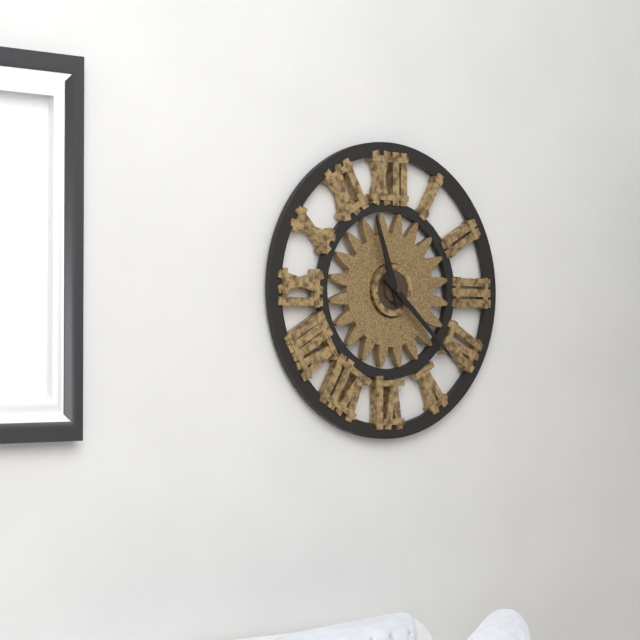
11:22
